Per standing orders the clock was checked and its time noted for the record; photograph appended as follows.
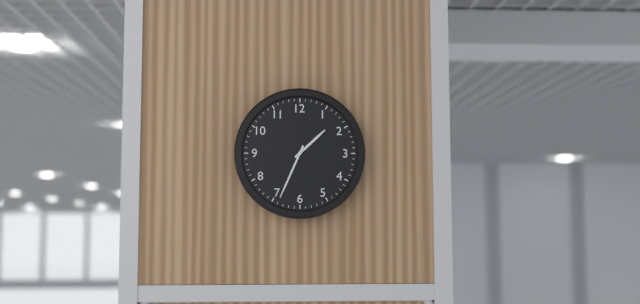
1:34
